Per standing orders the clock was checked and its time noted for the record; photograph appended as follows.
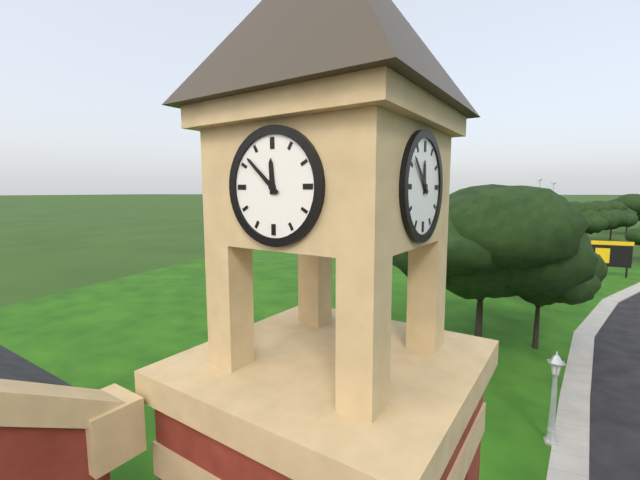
11:52
